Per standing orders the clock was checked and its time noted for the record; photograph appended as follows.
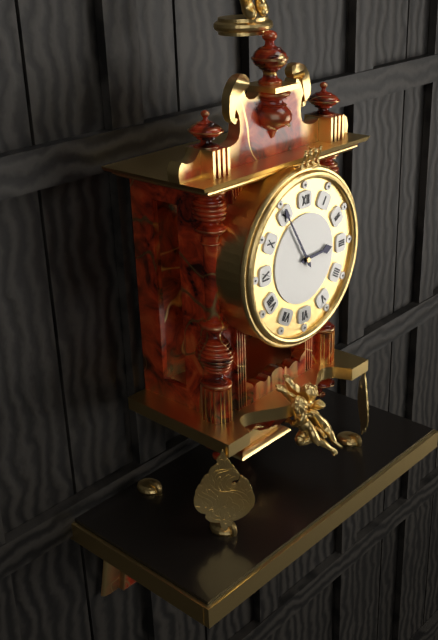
2:55
